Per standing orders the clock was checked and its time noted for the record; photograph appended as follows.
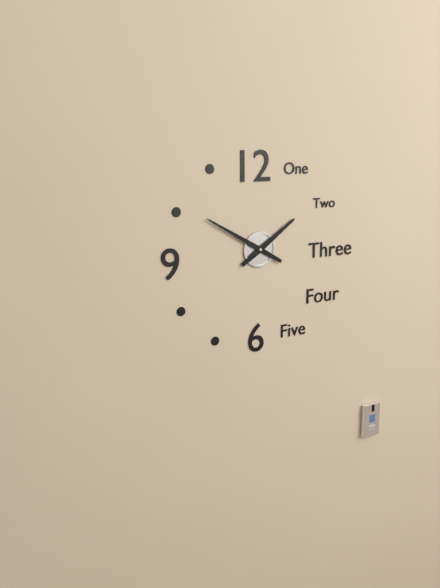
1:50
